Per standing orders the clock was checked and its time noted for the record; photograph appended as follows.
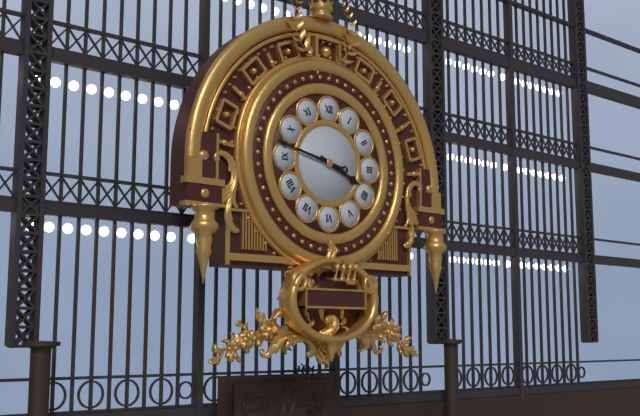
3:47
